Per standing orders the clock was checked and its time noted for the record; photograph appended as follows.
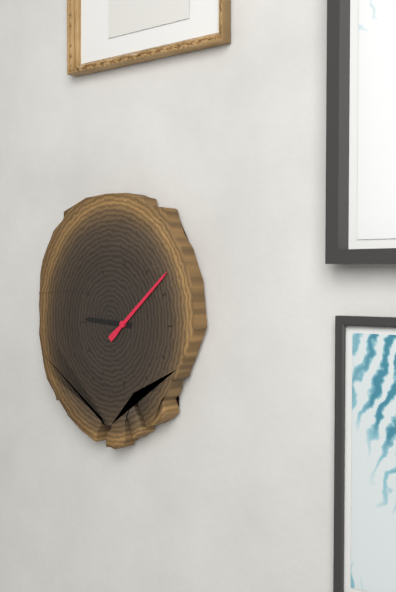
9:08
